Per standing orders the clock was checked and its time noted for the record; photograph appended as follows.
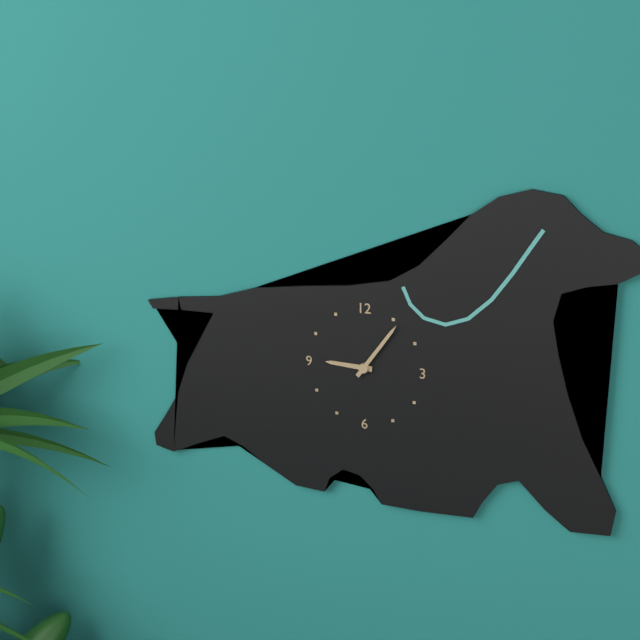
9:06
